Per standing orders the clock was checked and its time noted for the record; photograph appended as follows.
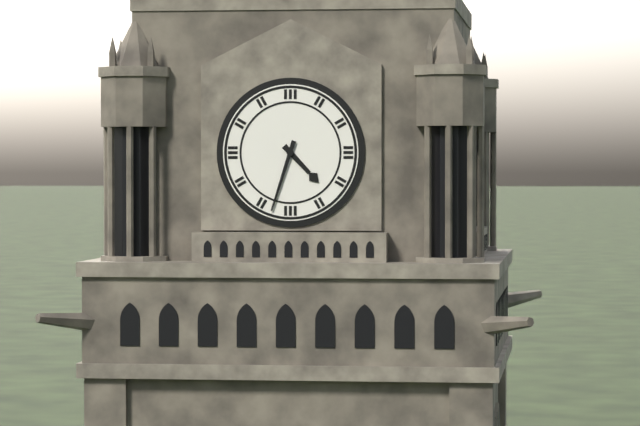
4:33
